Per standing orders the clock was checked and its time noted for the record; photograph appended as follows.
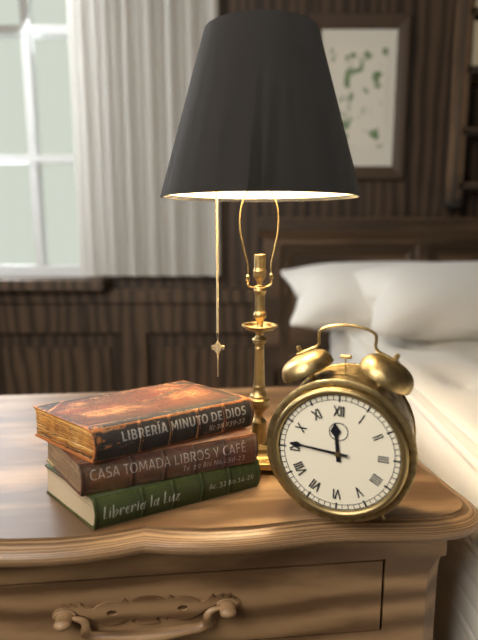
11:46
